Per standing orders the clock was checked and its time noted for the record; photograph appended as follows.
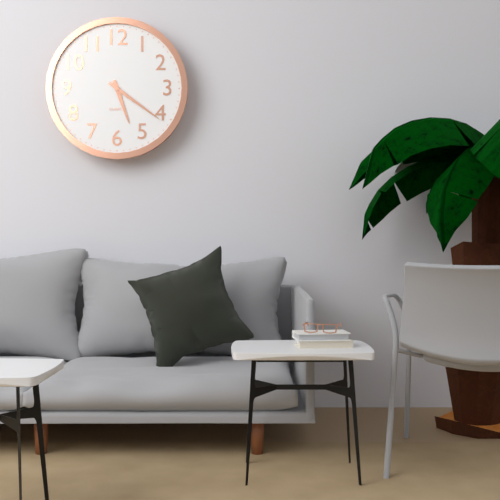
5:21
